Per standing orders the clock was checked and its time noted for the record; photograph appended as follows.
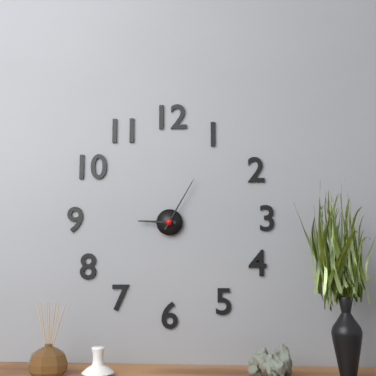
9:05
